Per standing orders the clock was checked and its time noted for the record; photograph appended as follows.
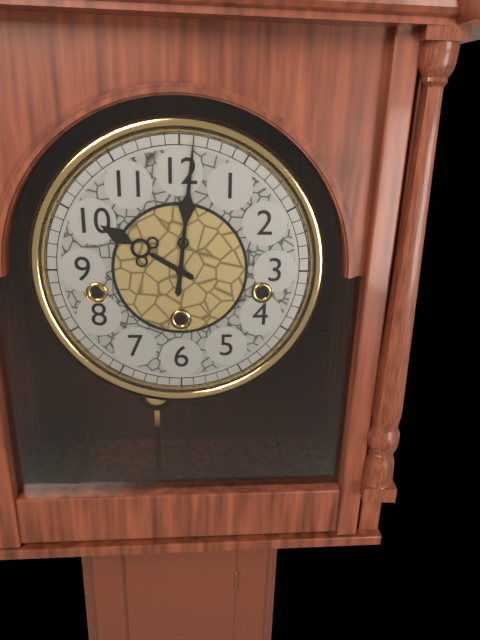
10:01
